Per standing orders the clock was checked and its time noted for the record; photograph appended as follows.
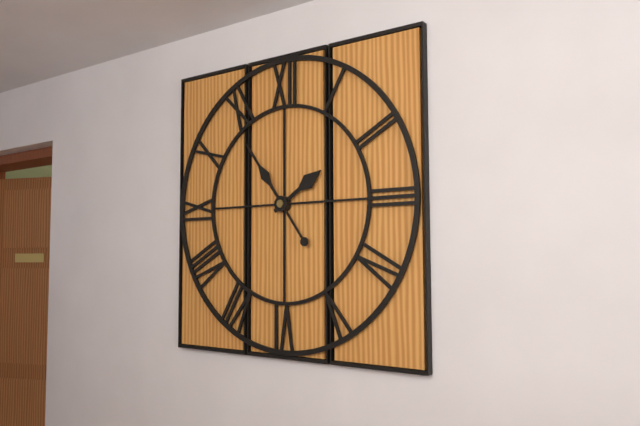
1:54
